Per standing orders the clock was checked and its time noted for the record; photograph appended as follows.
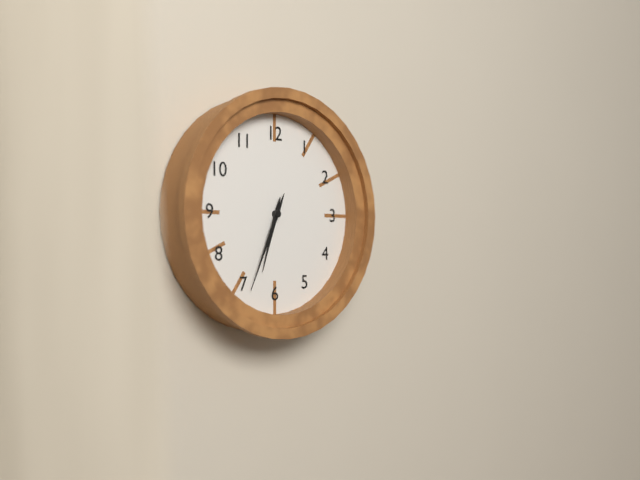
6:34
